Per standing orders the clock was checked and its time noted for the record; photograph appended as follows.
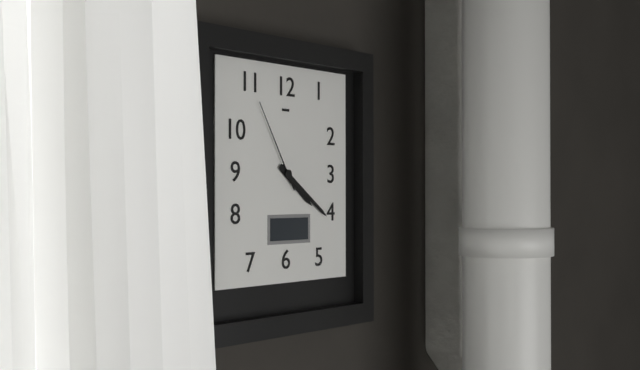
4:21:55
